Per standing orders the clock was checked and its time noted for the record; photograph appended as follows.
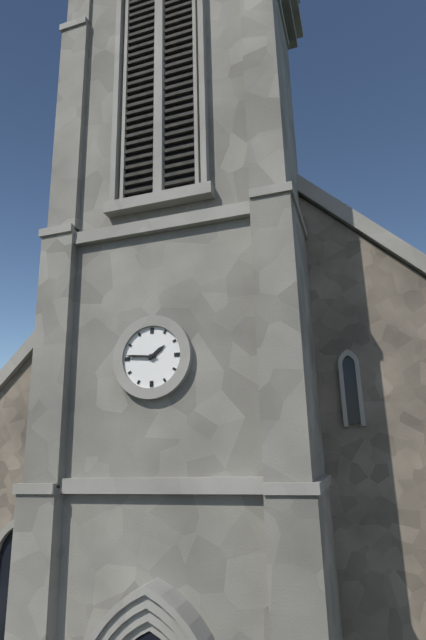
1:46
